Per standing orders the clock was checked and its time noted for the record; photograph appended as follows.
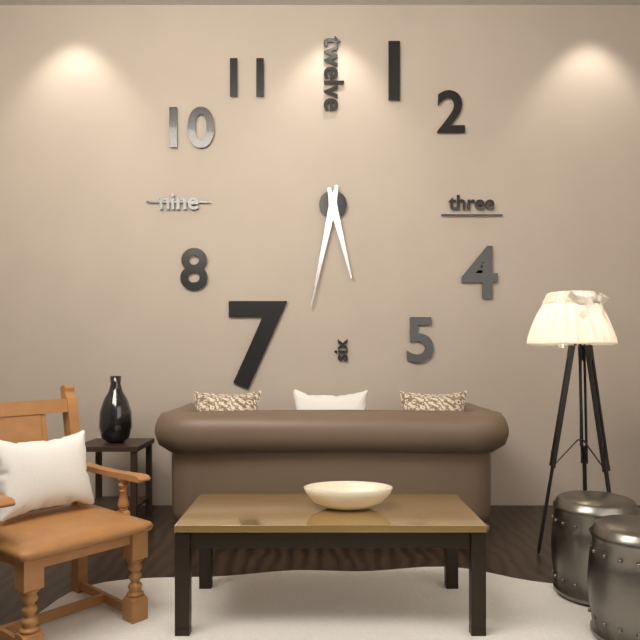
5:32
